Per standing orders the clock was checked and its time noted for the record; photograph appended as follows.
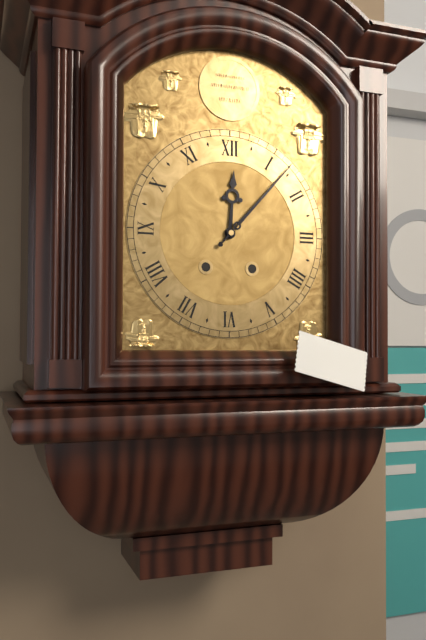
12:07
